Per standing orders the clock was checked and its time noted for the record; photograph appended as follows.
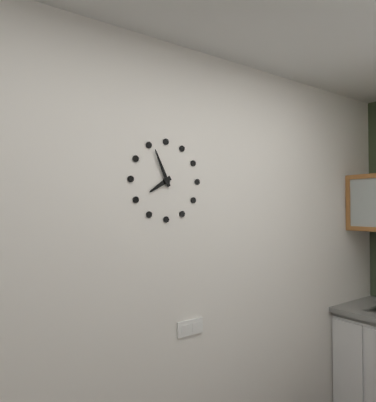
7:56
